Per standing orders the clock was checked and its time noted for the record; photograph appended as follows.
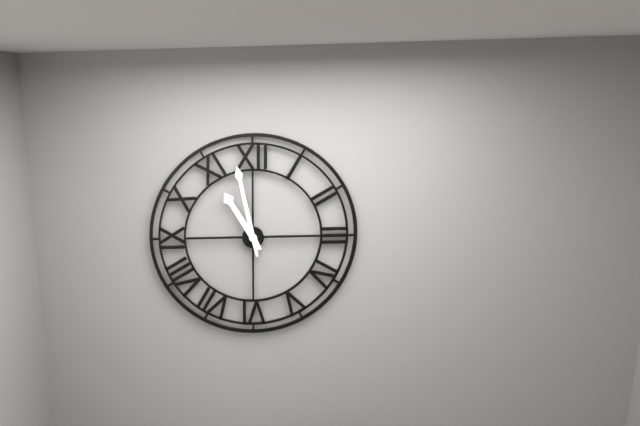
10:58
